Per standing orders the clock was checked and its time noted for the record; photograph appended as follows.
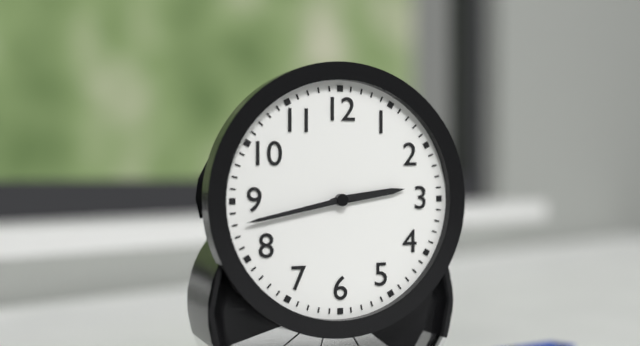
2:43
